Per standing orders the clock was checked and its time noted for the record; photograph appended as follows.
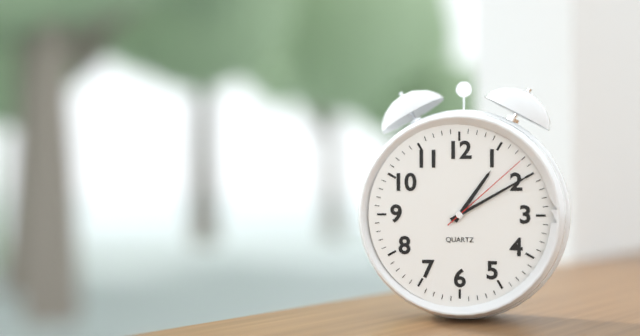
1:10:08
